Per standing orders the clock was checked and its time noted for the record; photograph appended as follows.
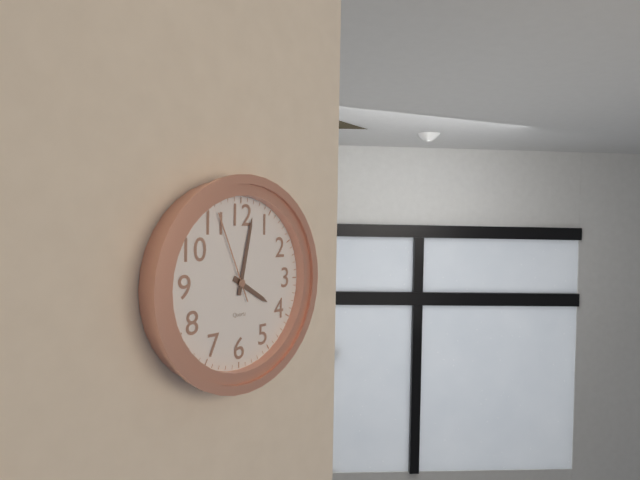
4:02:56
